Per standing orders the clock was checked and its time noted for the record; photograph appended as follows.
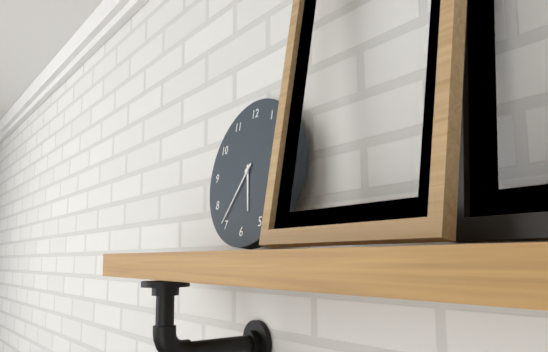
5:36
